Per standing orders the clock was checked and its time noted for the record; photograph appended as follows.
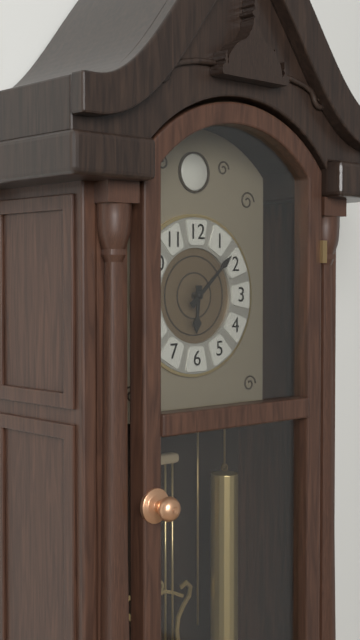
6:08
